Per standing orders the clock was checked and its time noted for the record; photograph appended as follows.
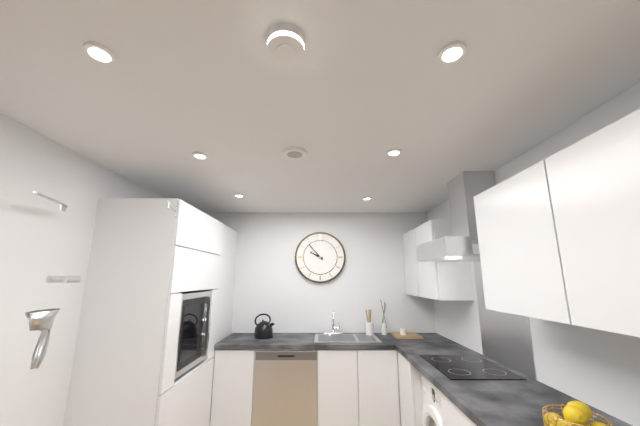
9:53
